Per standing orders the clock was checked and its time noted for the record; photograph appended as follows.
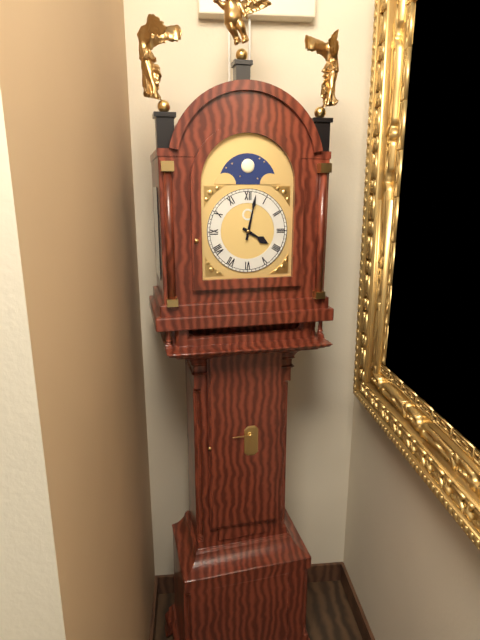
4:02
